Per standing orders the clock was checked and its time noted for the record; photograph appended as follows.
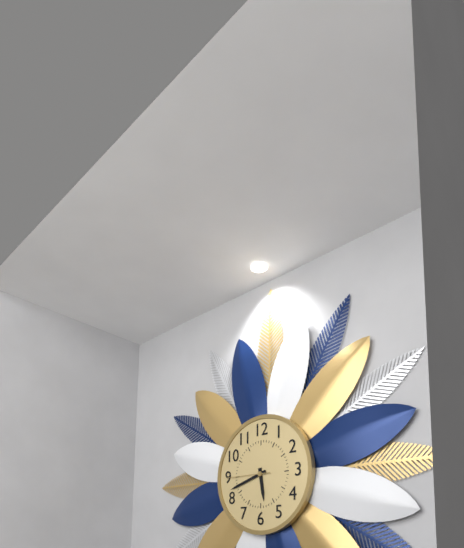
5:42:45
